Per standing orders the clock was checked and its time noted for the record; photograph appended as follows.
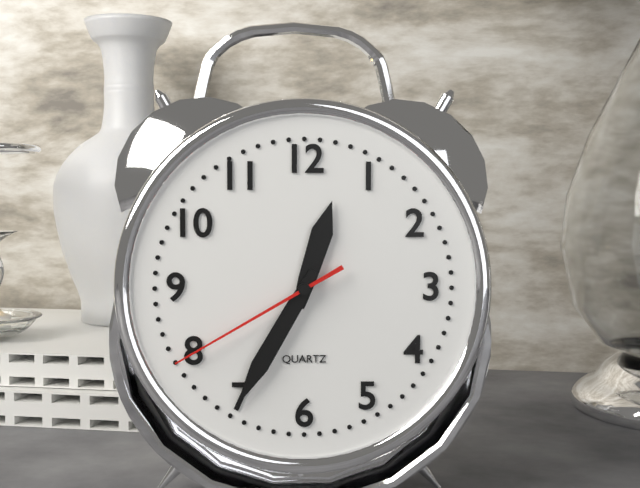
12:35:40
